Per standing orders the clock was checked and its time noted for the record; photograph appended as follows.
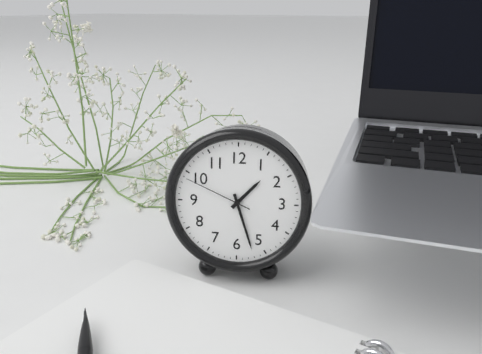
1:27:49
